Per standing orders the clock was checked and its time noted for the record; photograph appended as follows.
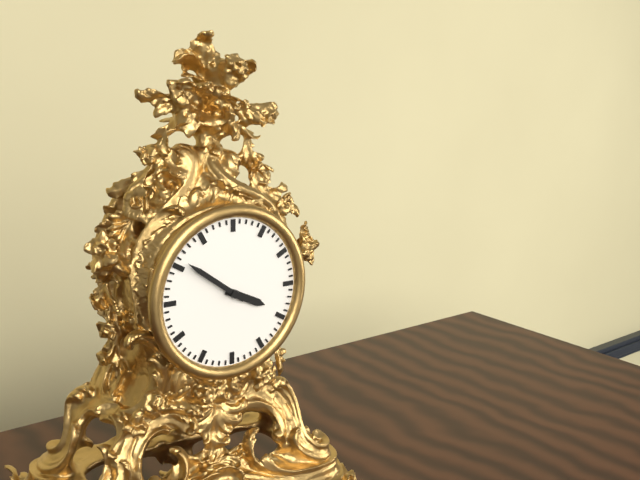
3:51
